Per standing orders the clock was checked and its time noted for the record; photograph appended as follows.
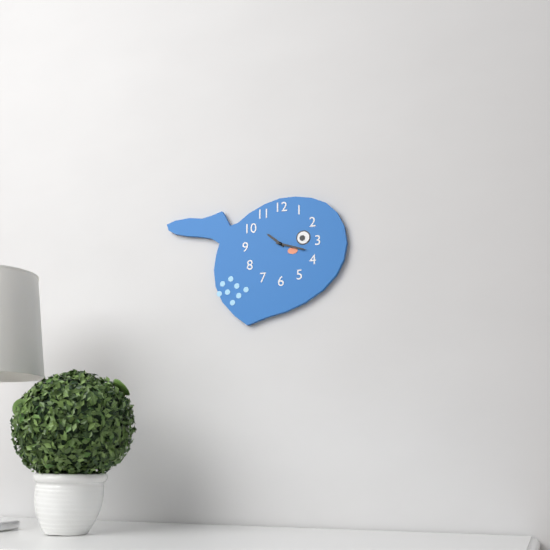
10:18
